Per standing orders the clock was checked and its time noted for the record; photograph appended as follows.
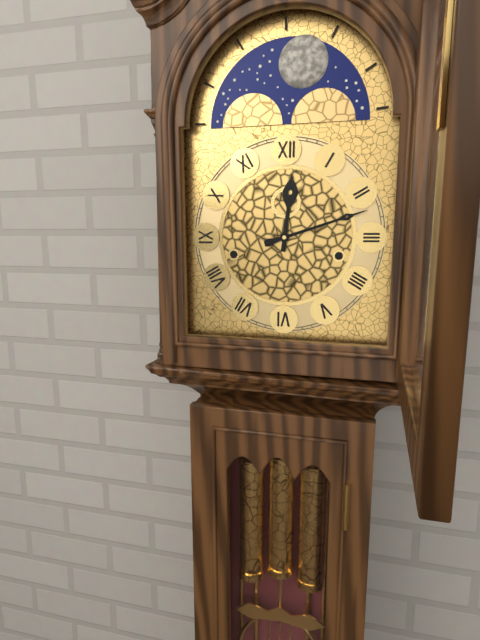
12:12
